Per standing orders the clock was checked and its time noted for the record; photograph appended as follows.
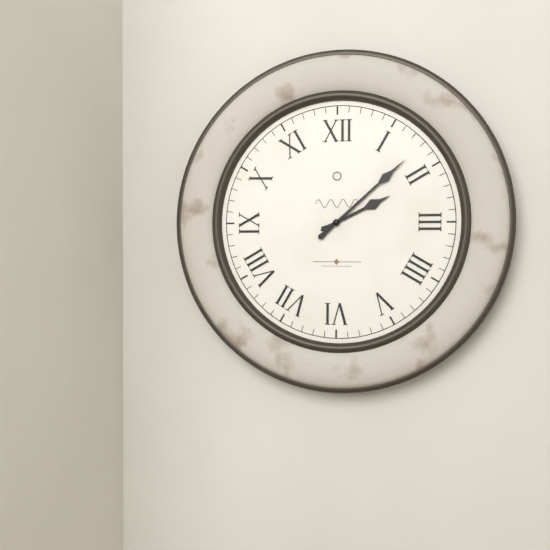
2:08
